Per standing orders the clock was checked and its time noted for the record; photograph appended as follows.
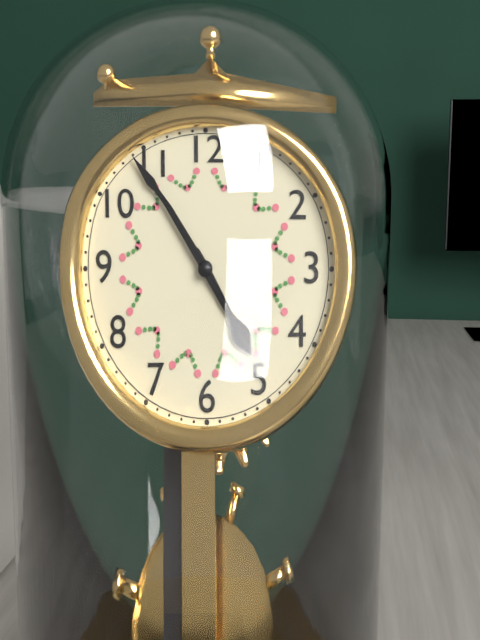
4:54
